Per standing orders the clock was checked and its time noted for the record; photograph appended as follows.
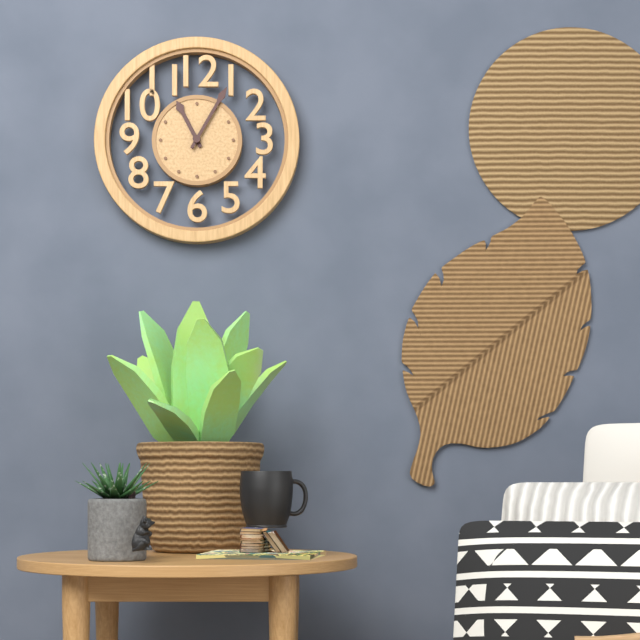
11:05
